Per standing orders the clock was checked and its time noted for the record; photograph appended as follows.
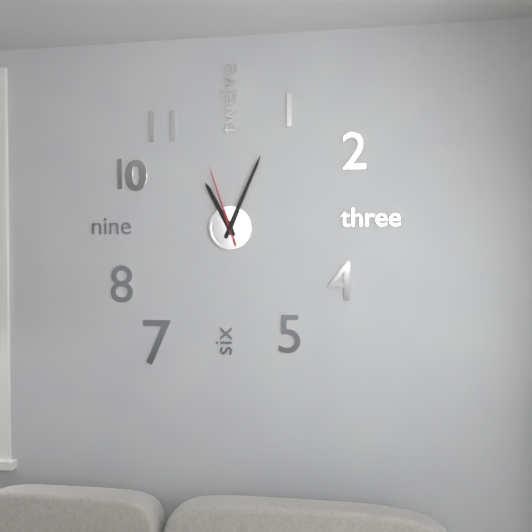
11:04:57
